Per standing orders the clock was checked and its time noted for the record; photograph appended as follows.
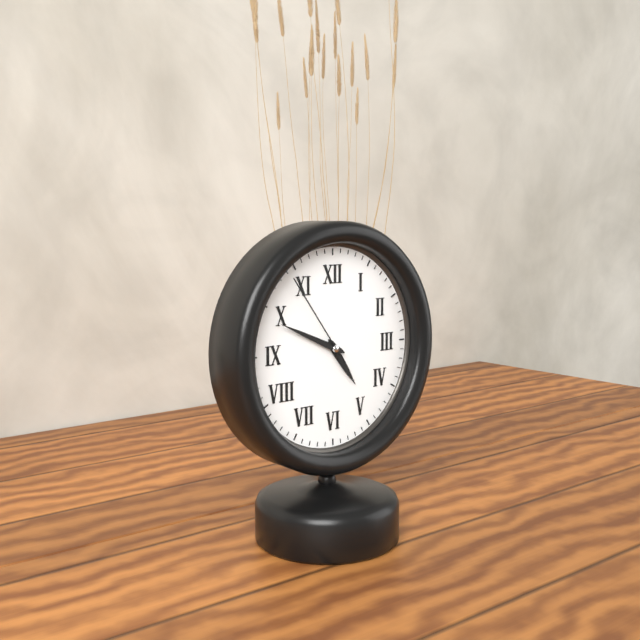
4:49:54
